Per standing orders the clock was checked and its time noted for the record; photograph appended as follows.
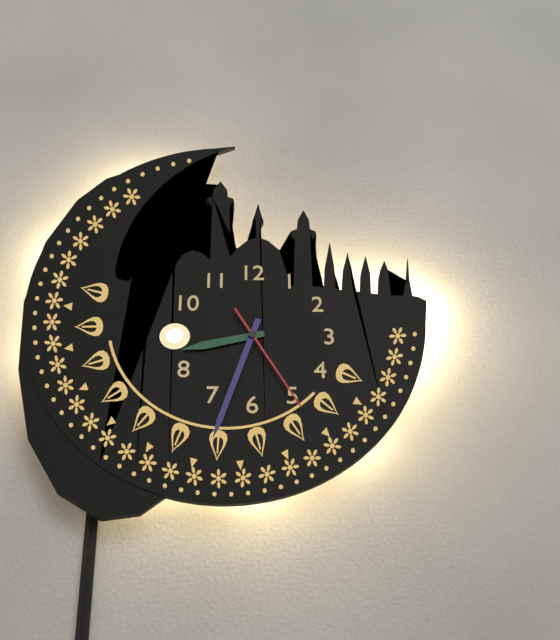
8:33:25
